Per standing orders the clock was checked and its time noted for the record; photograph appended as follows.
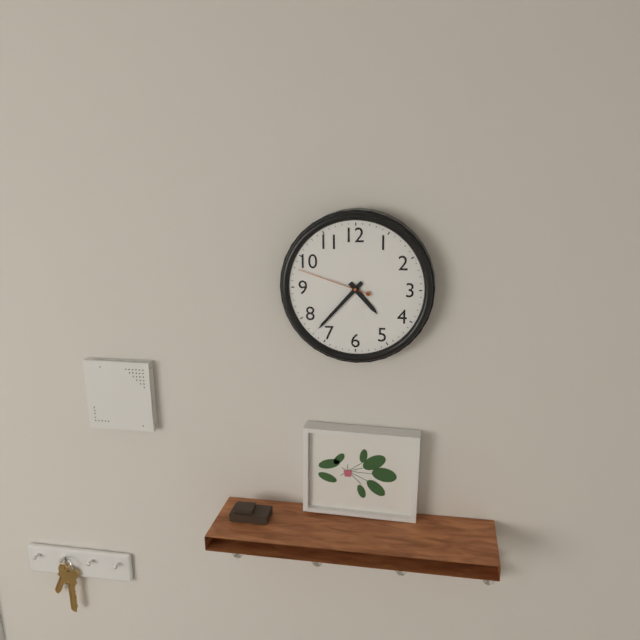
4:37:48
